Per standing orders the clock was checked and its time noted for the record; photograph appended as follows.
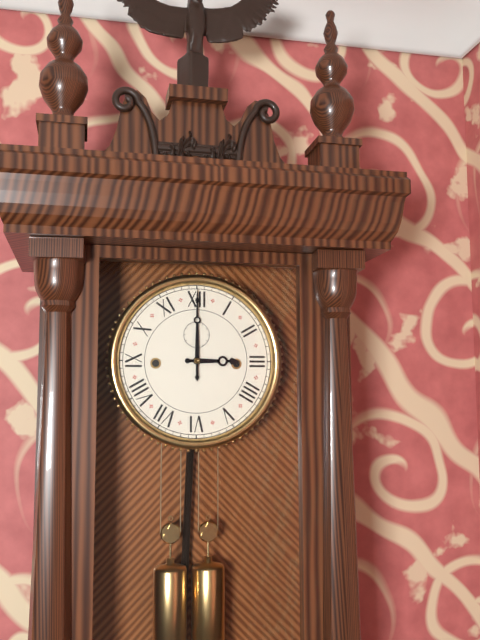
3:00
